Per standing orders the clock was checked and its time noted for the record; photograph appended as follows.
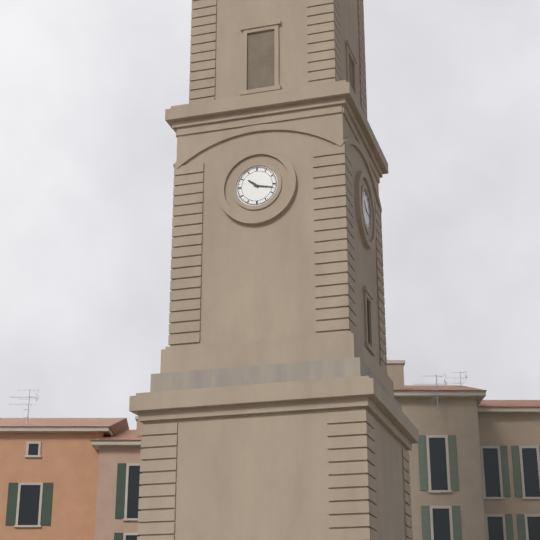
10:17
